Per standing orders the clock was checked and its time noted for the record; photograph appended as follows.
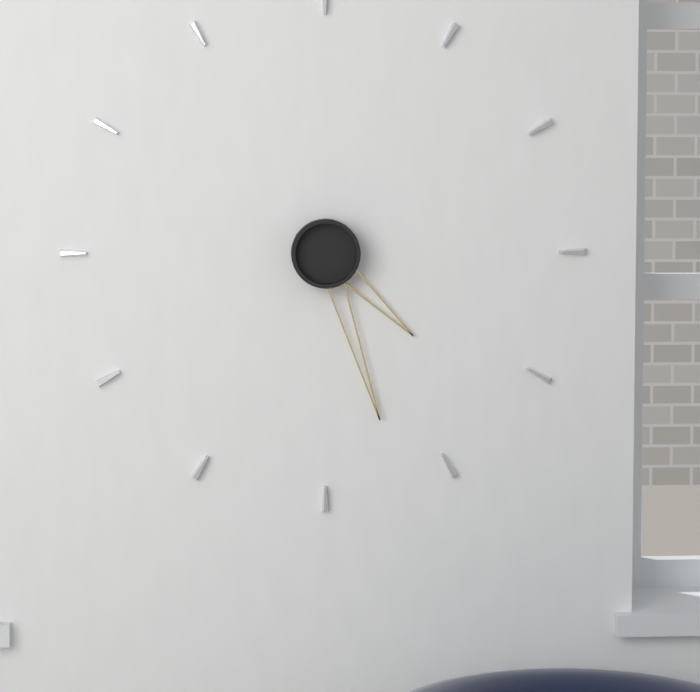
4:27
